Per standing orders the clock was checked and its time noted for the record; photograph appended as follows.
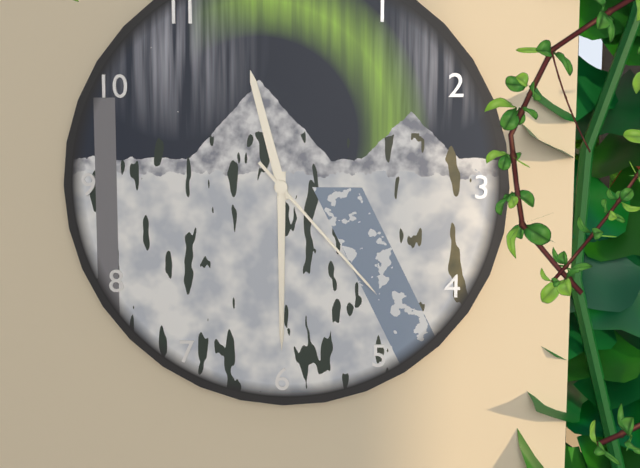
11:30:23
